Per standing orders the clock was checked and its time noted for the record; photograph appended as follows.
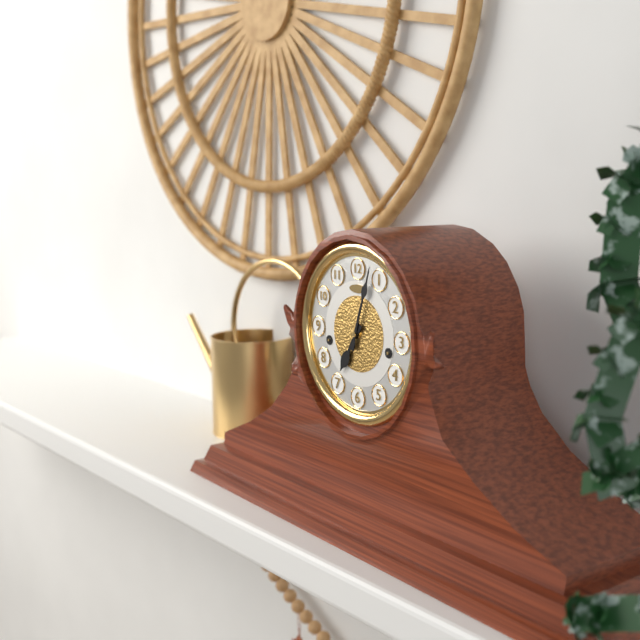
7:03
